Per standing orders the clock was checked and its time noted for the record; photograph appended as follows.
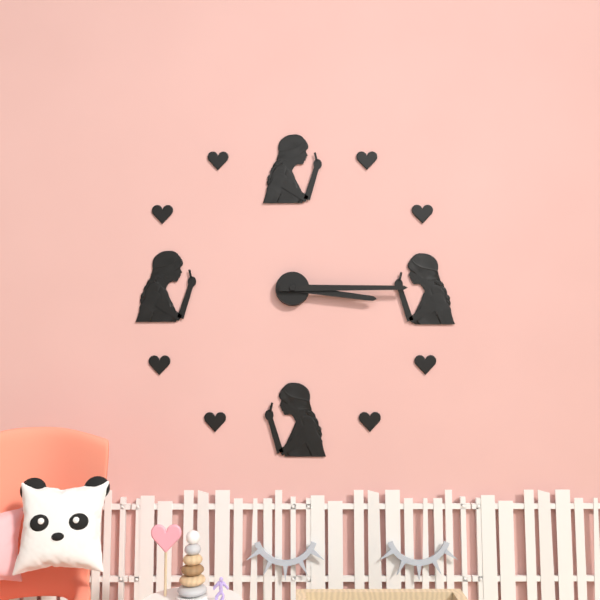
3:15
